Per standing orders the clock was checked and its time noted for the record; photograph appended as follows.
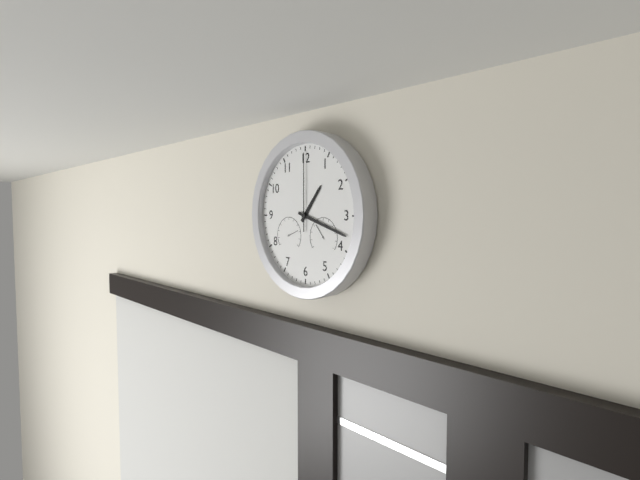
1:18:00
